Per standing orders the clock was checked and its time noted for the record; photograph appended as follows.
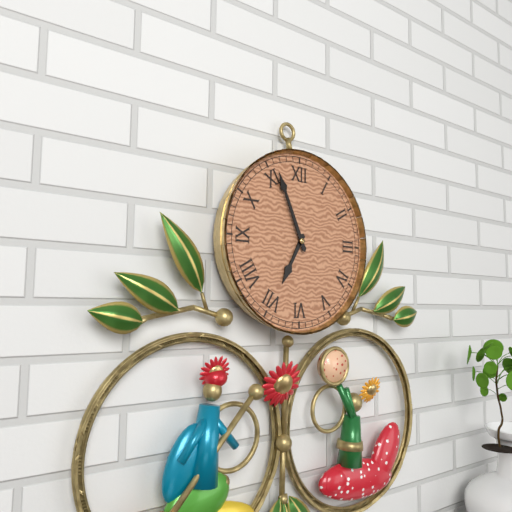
6:56
